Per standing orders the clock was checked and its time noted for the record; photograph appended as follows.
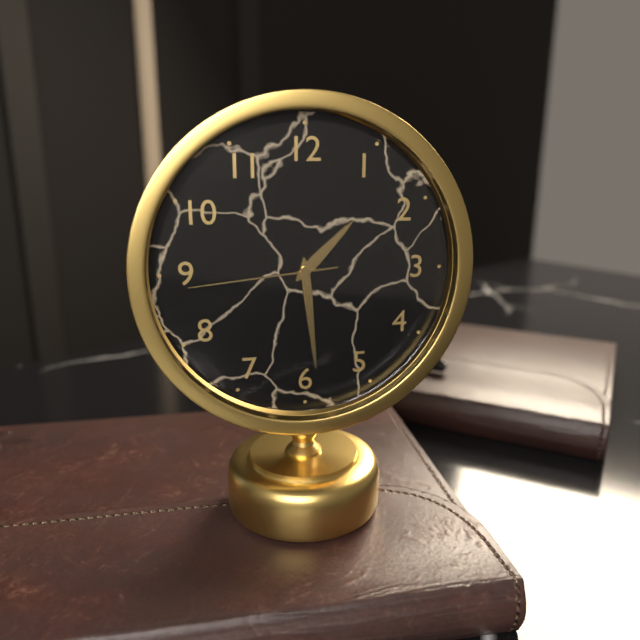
1:29:44
